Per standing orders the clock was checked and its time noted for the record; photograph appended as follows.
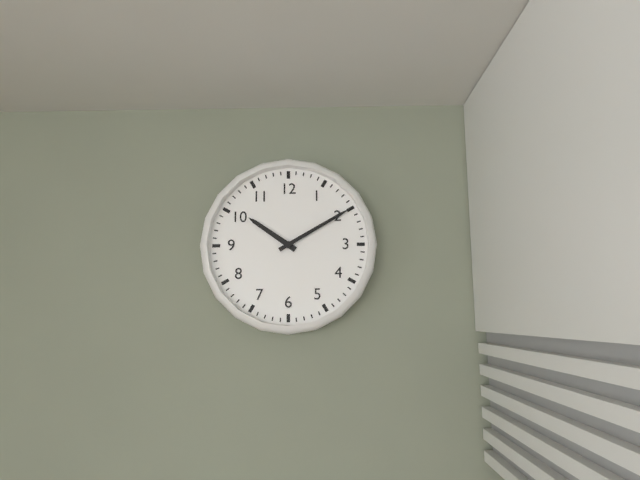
10:10
